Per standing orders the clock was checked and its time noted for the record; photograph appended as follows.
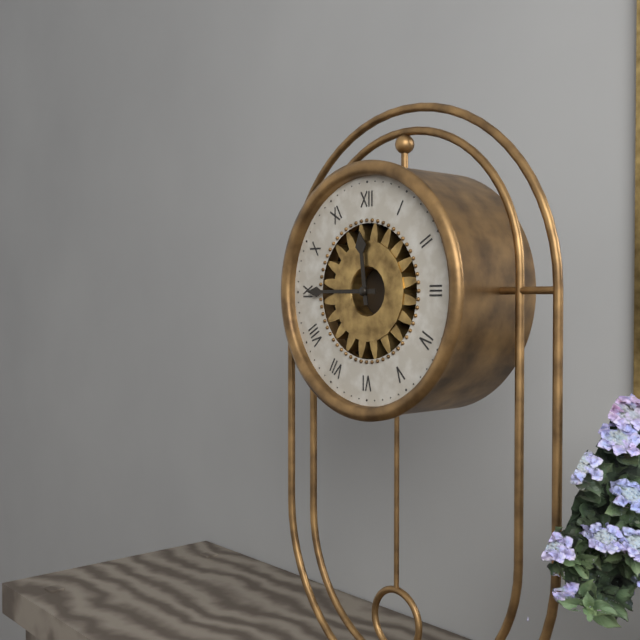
11:45
